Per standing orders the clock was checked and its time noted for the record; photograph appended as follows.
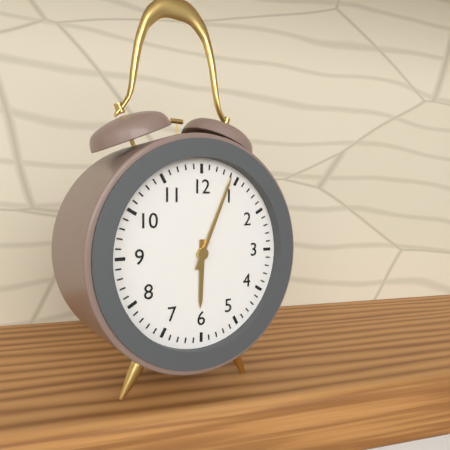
6:04
